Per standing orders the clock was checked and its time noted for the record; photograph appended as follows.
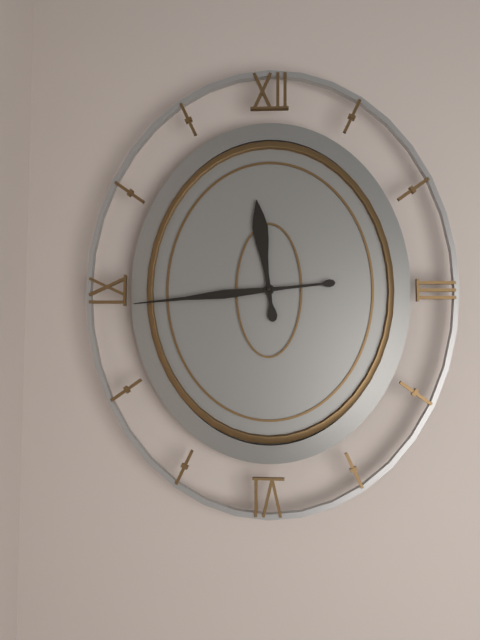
11:44
